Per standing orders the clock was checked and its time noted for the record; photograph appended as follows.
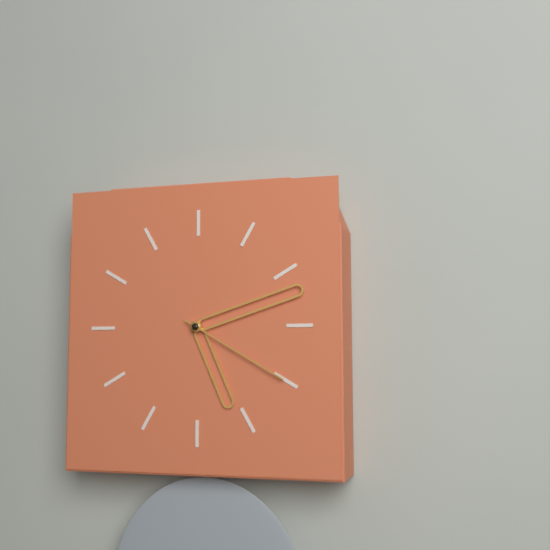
5:12:20
